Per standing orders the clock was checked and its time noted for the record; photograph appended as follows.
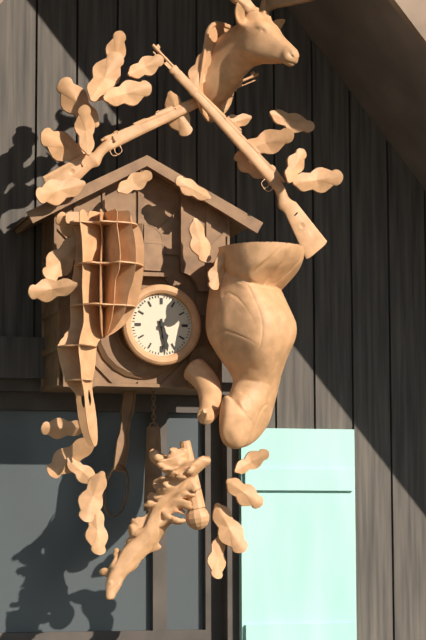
5:28
